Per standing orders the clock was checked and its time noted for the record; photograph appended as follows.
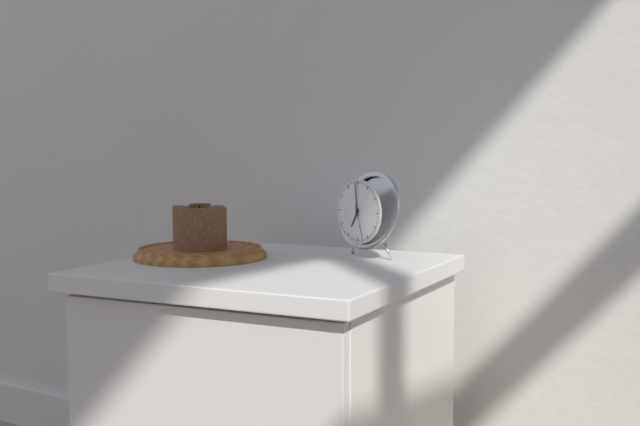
6:59
